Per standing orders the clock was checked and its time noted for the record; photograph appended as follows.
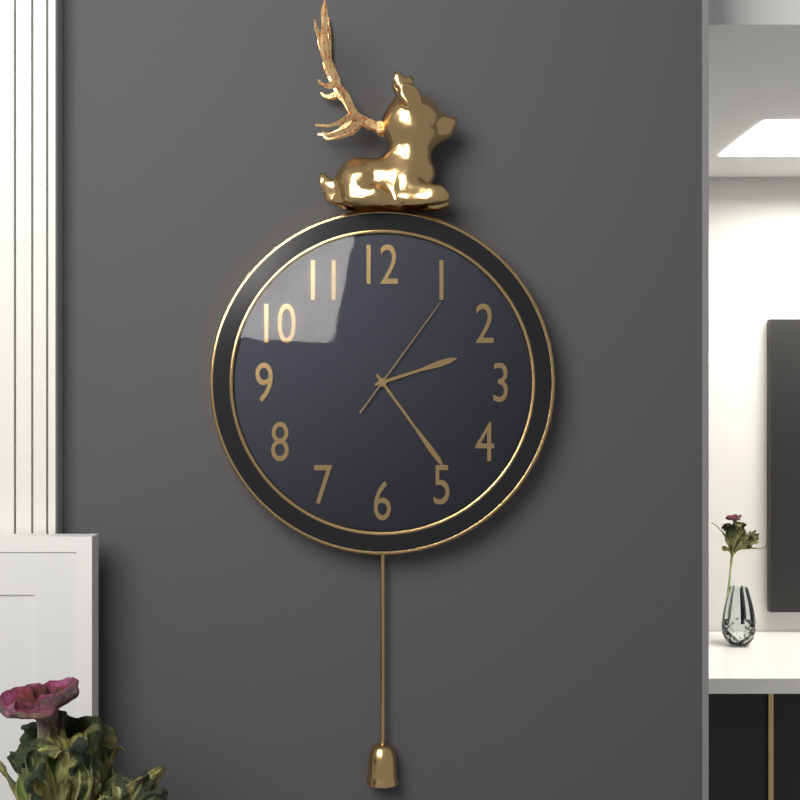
2:24:06
